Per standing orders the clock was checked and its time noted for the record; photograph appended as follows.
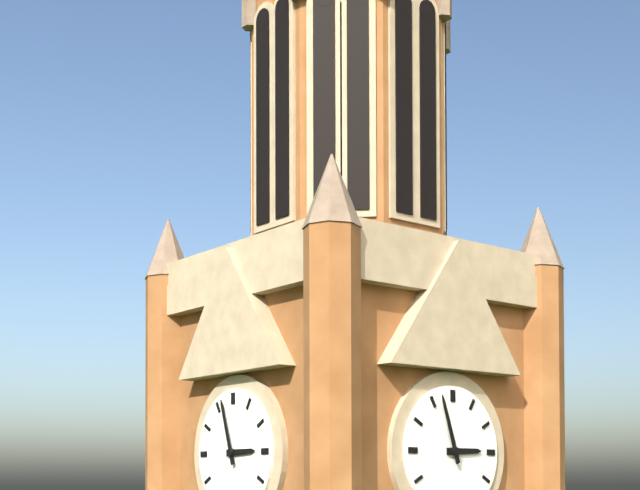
2:57
